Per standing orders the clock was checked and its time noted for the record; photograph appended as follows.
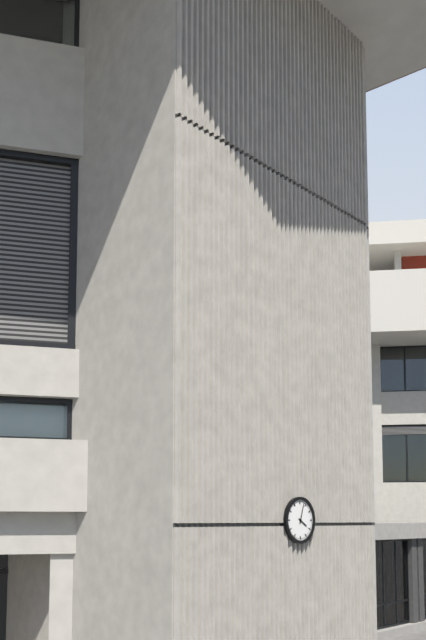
4:03
